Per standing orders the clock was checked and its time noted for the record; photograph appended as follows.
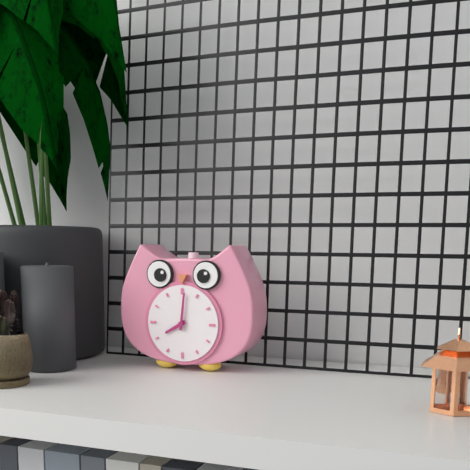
8:01
